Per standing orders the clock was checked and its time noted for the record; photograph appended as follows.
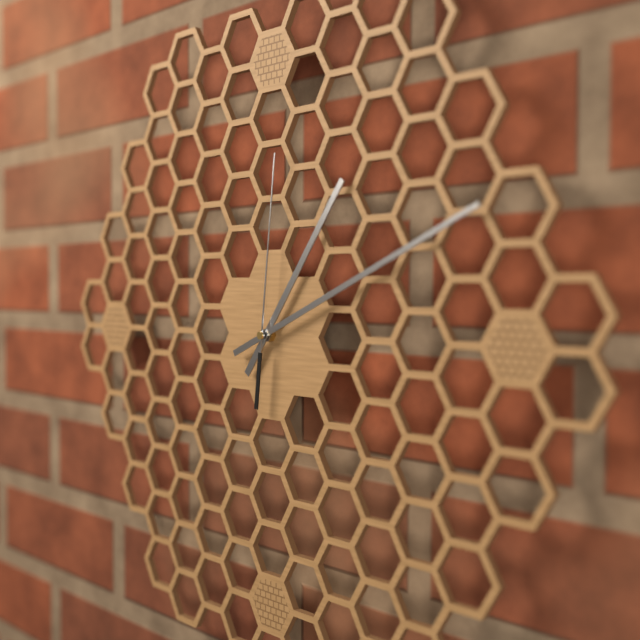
1:11:01
